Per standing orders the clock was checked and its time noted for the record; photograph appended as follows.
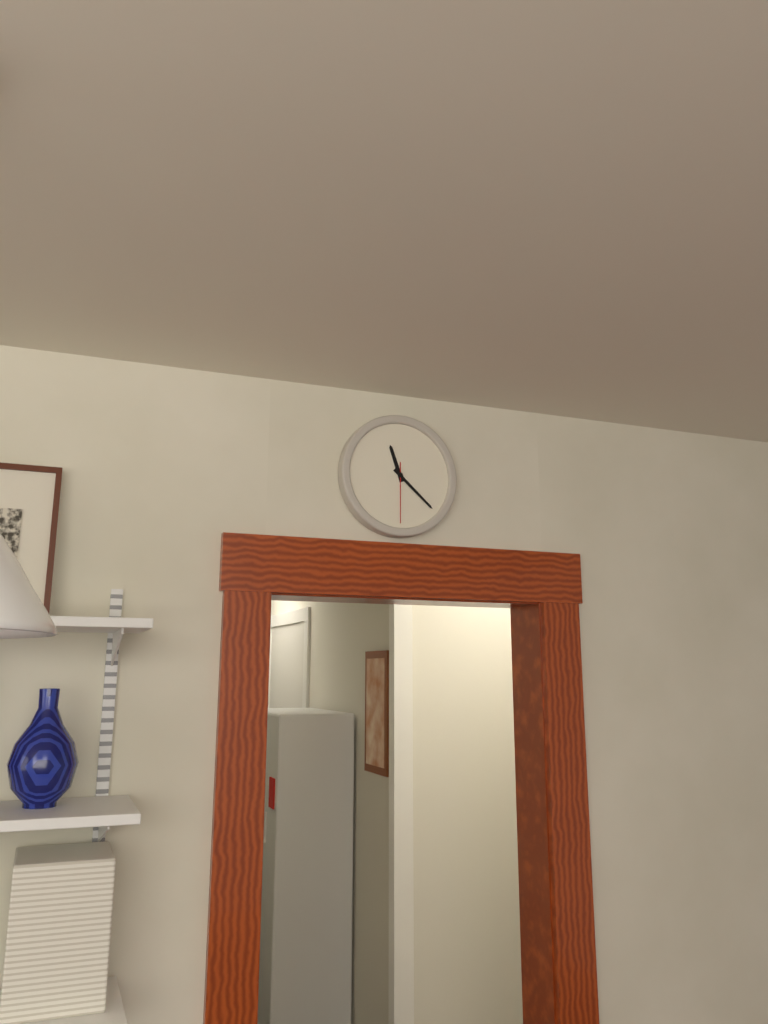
11:22:30
